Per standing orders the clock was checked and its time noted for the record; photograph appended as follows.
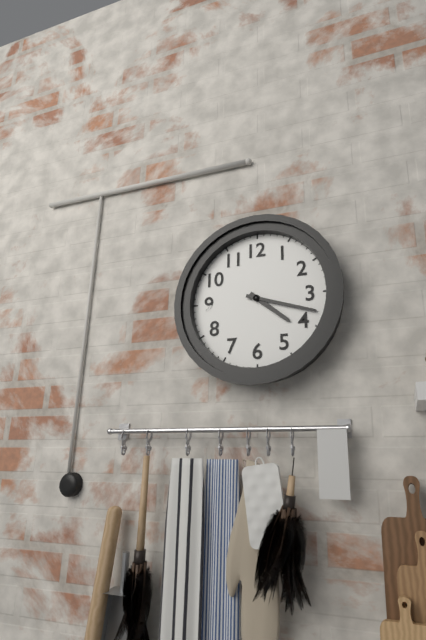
4:18
